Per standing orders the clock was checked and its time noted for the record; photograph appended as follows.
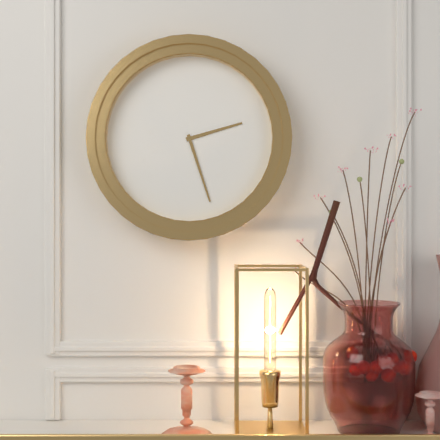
2:27
